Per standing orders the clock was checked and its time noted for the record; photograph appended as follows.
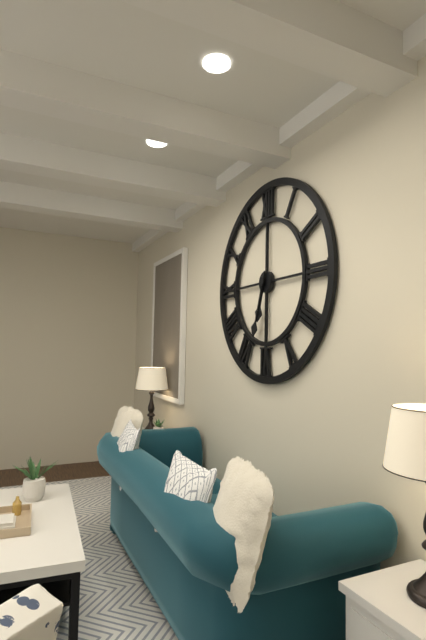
6:33
